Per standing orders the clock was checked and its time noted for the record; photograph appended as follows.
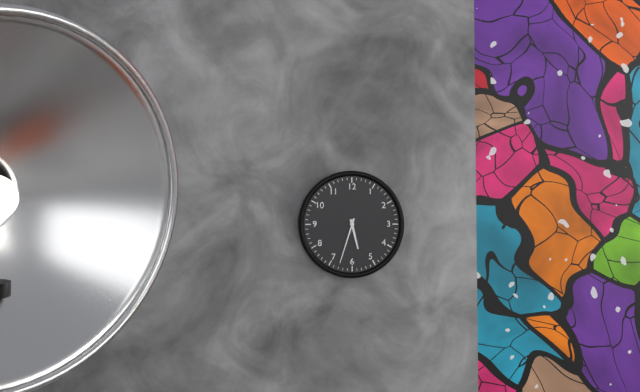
5:33
